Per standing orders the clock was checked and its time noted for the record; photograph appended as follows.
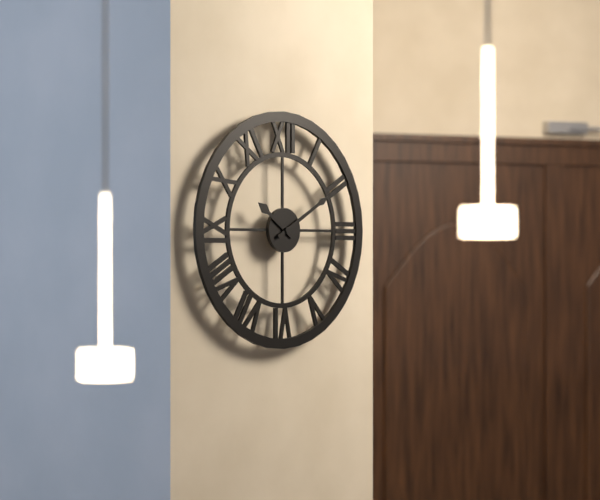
10:10
